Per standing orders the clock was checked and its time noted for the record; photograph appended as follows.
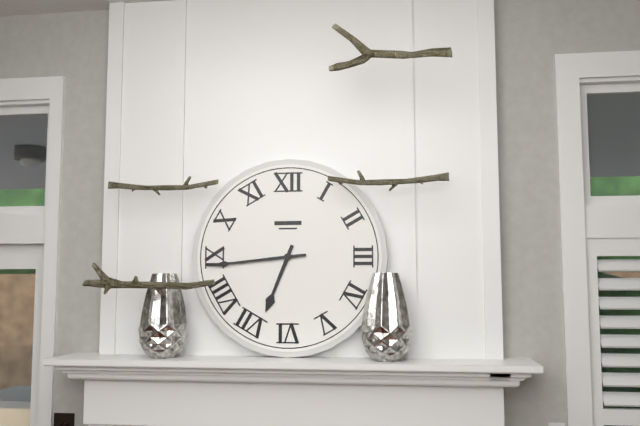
6:44
